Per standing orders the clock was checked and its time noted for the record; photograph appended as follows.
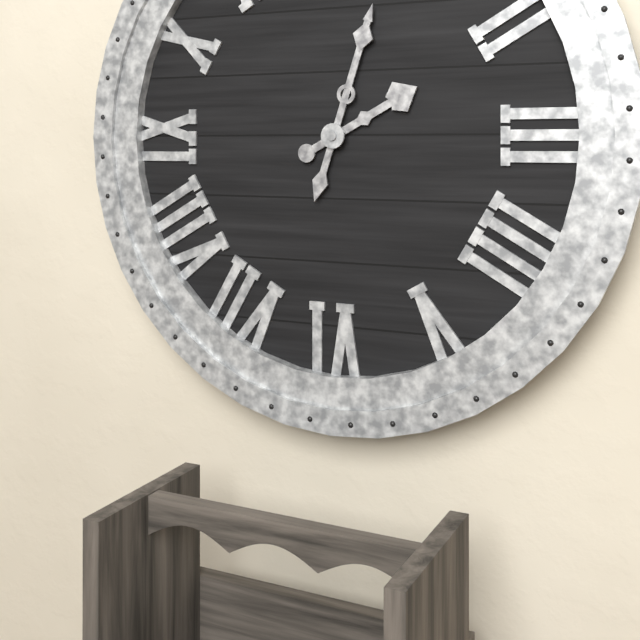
2:03
